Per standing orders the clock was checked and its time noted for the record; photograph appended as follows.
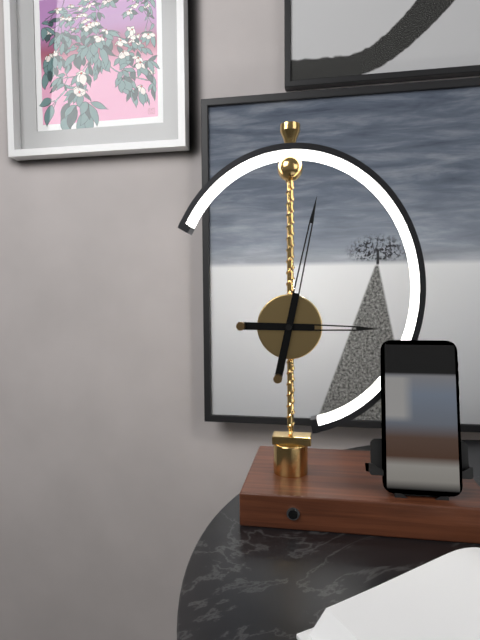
3:02
